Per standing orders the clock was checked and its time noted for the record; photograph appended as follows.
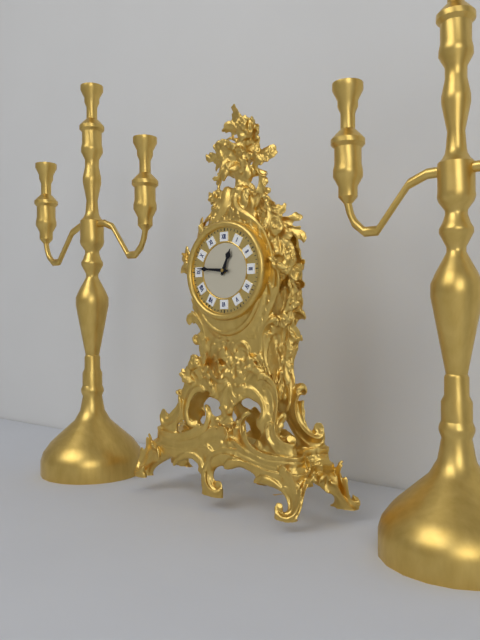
12:46
